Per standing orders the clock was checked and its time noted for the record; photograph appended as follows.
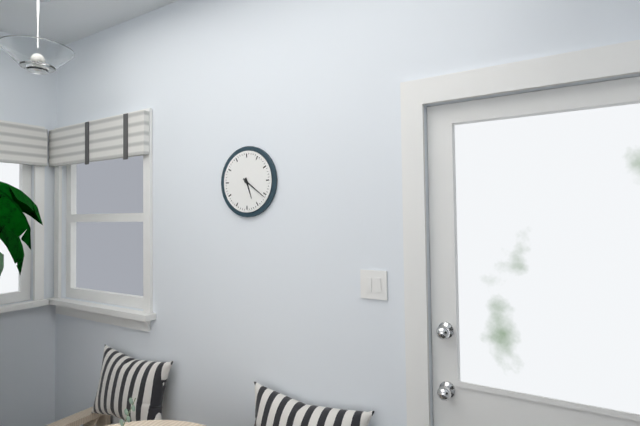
5:21
